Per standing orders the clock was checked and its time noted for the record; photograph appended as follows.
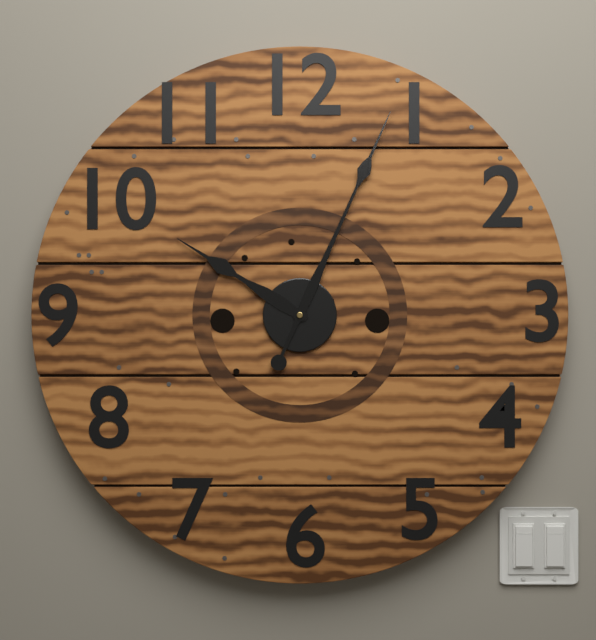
10:04
